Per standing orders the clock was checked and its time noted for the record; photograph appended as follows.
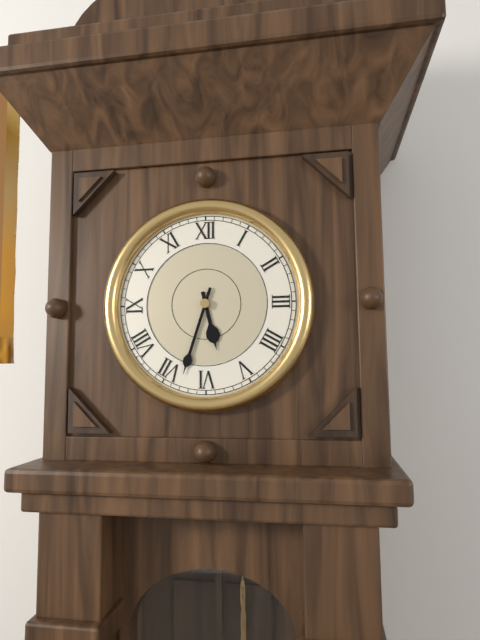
5:33
